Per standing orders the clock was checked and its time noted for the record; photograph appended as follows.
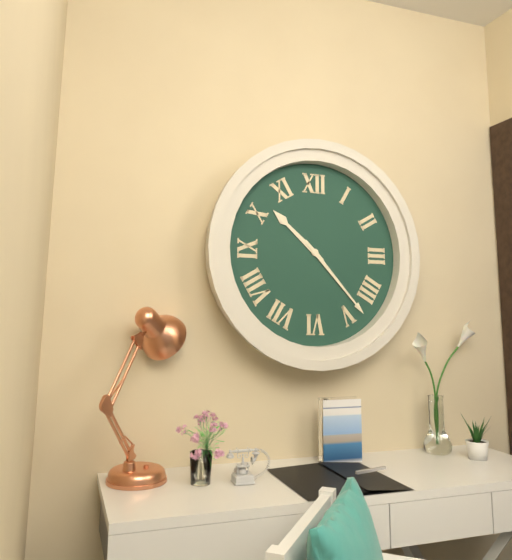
10:23
